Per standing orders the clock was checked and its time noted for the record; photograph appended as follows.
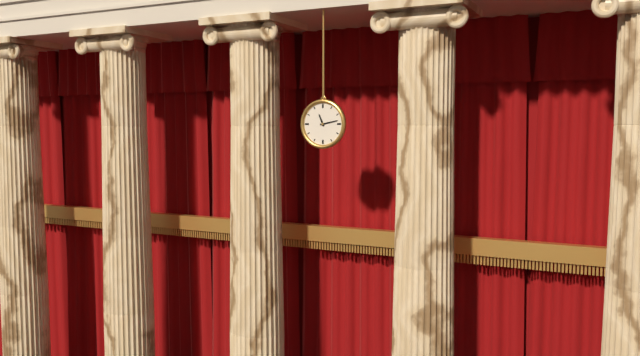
11:13
